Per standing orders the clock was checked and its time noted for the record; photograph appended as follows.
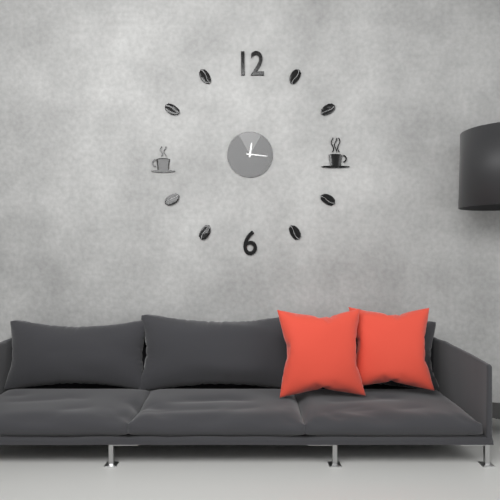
12:16
